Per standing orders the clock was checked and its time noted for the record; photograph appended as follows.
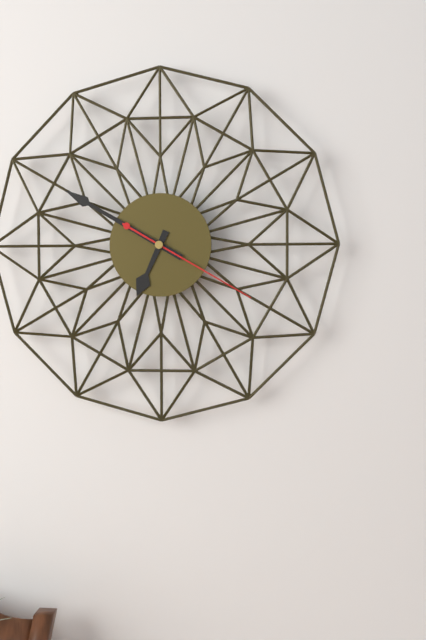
6:50:20
